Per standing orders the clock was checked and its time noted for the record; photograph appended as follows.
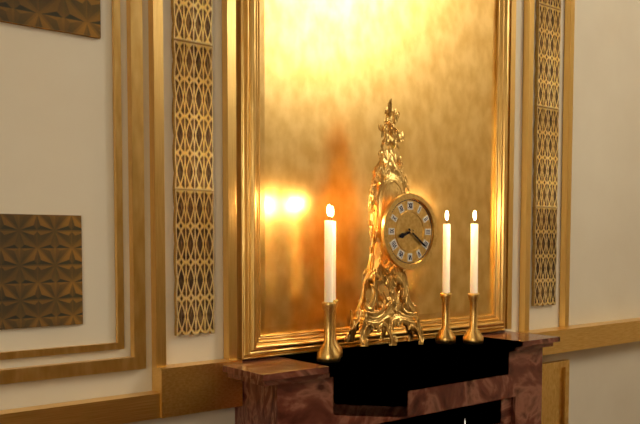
8:21
